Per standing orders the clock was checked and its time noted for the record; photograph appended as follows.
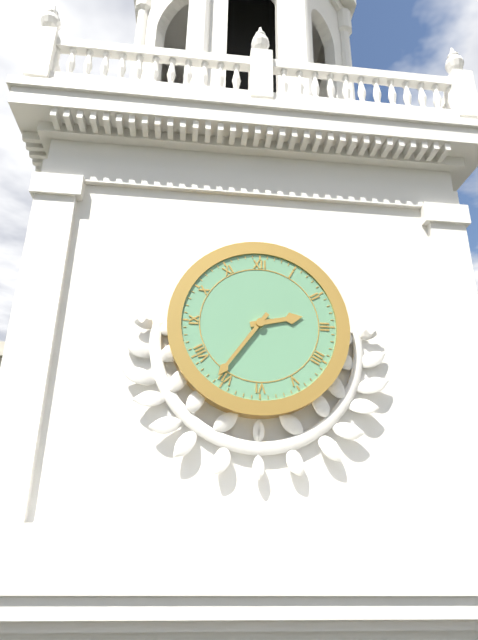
2:36
